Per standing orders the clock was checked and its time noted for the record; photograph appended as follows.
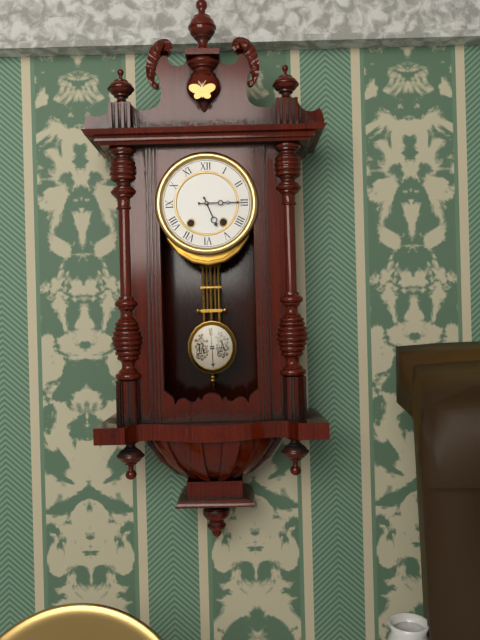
5:15
